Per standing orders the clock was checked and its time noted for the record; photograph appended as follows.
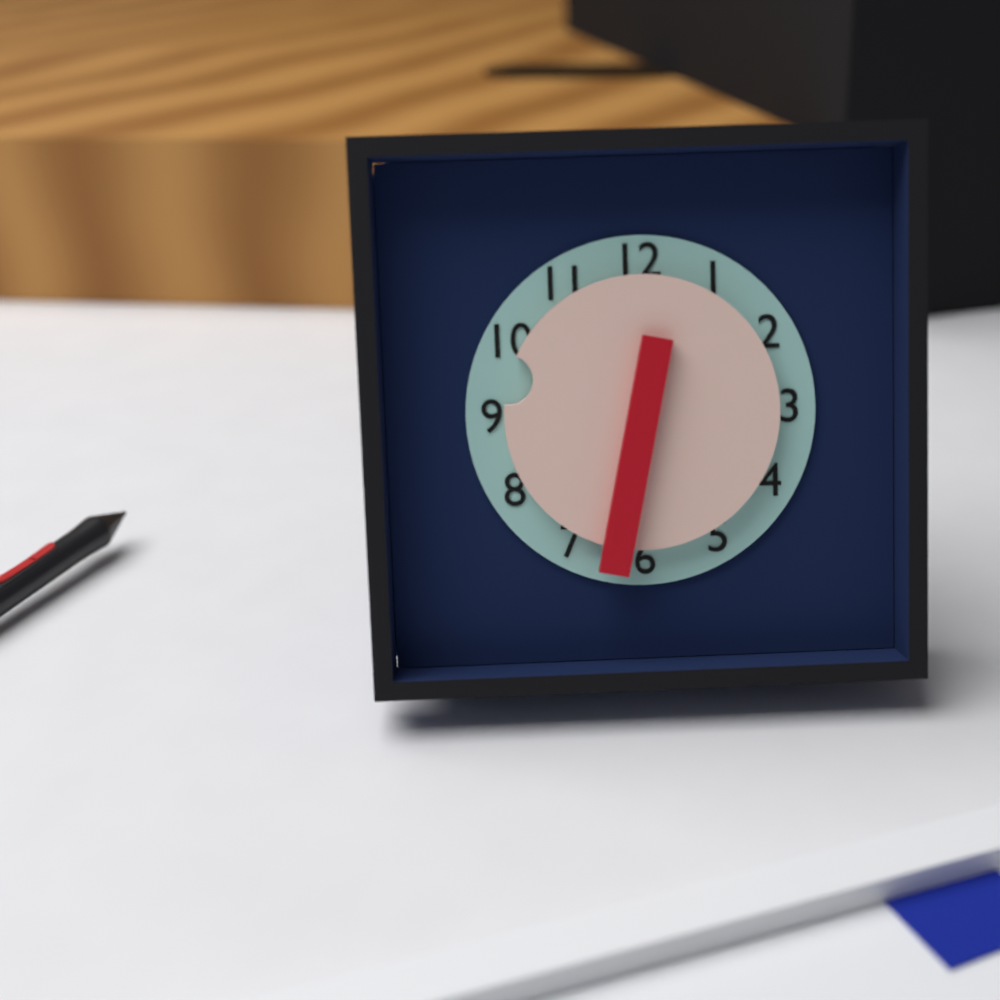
9:32
